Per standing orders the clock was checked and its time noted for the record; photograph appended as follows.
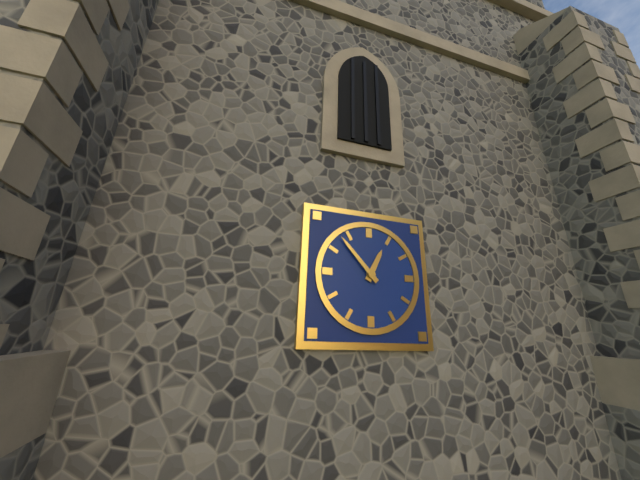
12:53
